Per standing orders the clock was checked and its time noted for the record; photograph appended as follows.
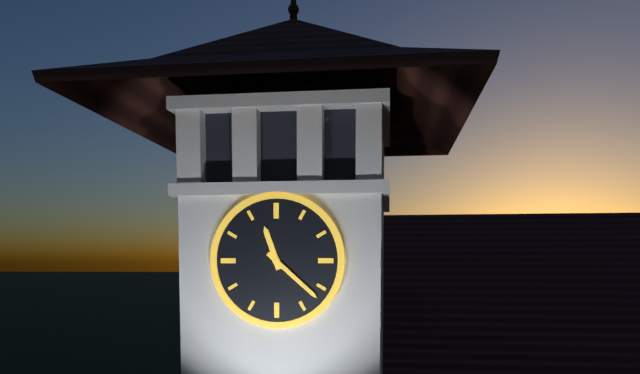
11:22
